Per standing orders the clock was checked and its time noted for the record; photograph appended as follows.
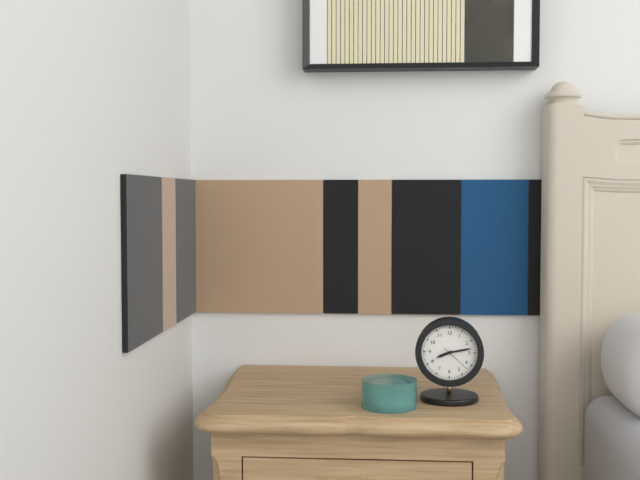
8:13
